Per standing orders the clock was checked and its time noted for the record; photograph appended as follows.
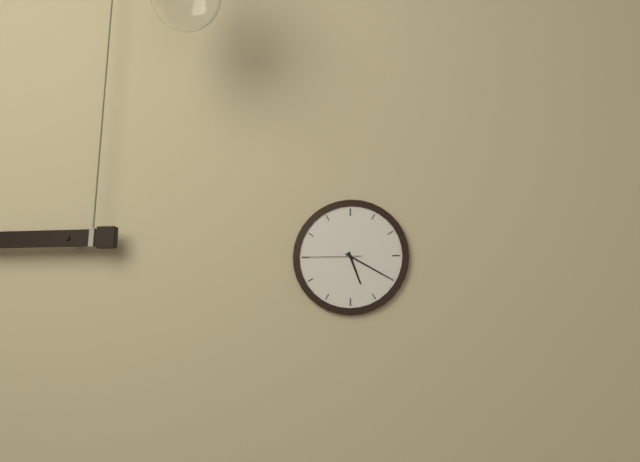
5:20:45
